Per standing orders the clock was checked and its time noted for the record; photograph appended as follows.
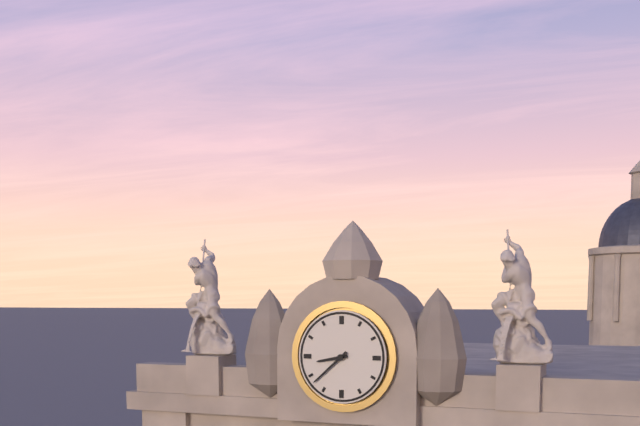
8:38
